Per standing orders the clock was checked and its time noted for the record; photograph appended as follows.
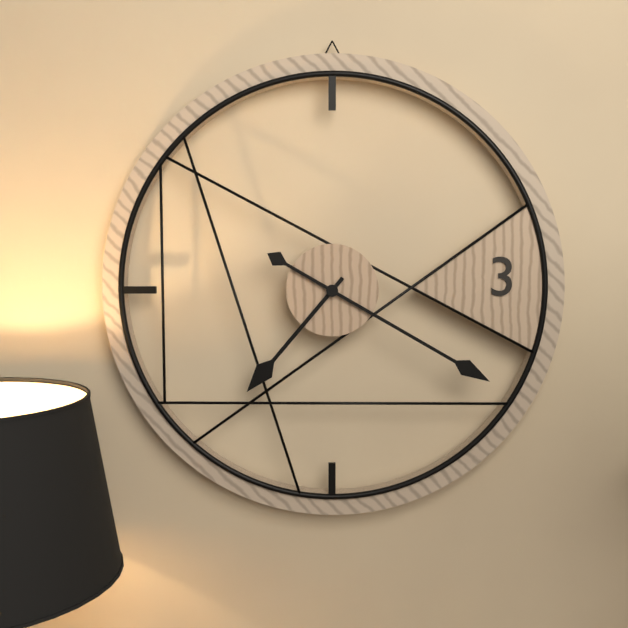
7:20
